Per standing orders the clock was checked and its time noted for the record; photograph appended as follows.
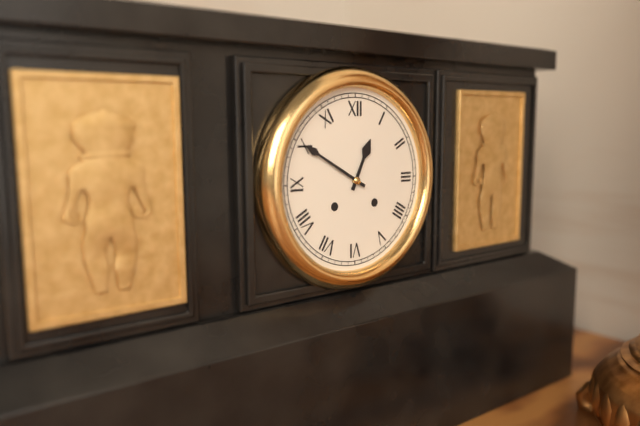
12:50
